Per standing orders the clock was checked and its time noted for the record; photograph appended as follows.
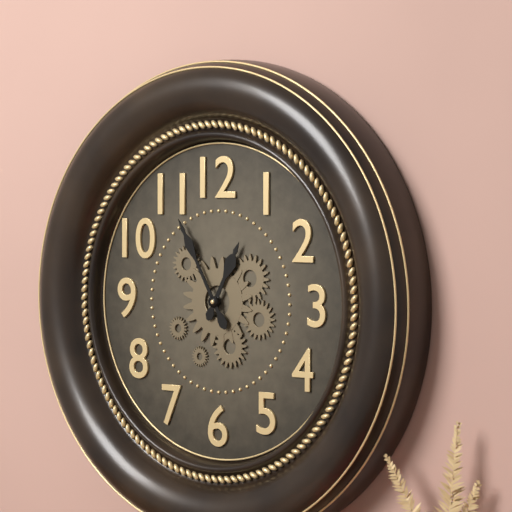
12:55
